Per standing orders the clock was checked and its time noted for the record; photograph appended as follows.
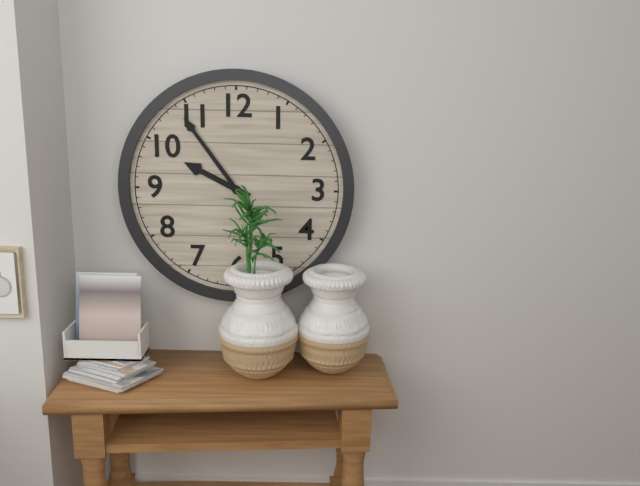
9:54
